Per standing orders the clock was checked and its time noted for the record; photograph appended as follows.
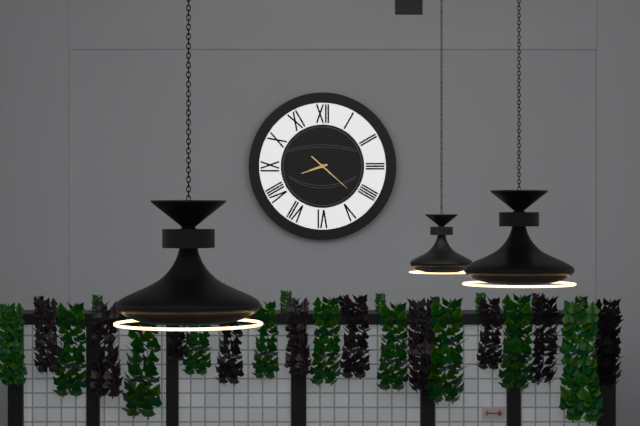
8:22
